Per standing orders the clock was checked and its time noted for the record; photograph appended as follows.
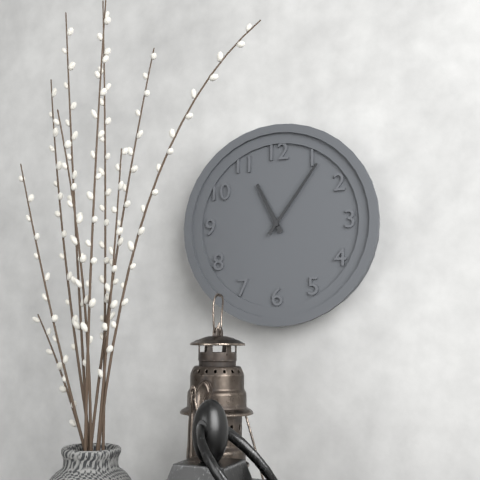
11:06
